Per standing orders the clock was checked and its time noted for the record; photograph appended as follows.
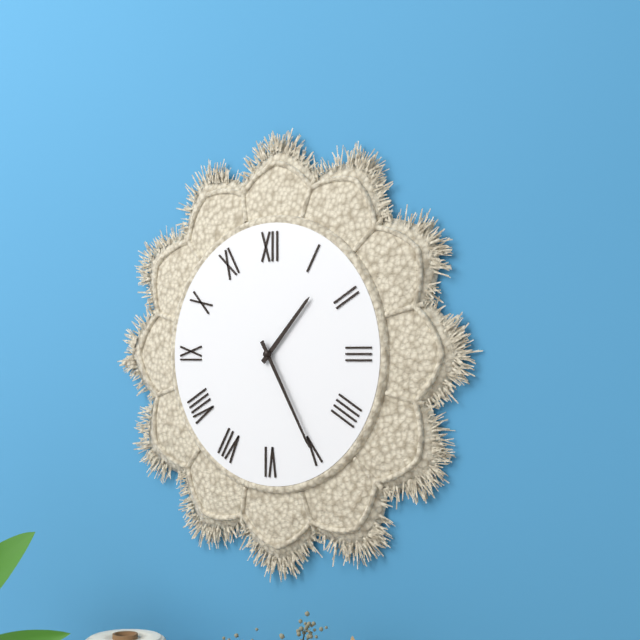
1:25
